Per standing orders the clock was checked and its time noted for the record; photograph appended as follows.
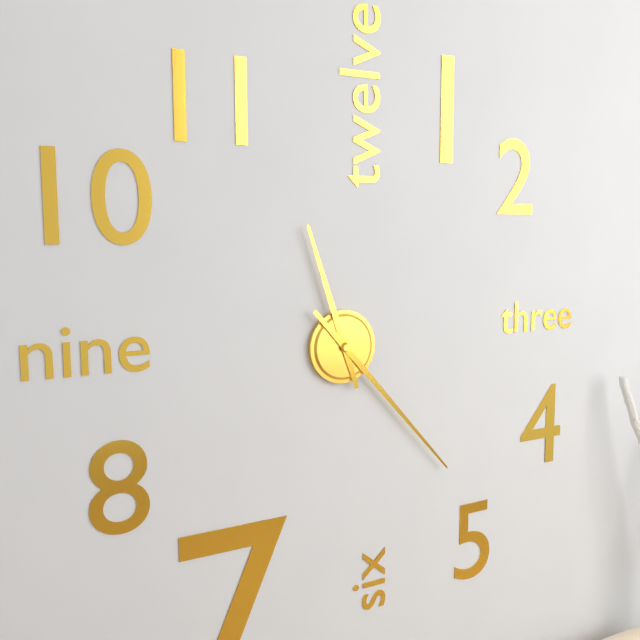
11:23
